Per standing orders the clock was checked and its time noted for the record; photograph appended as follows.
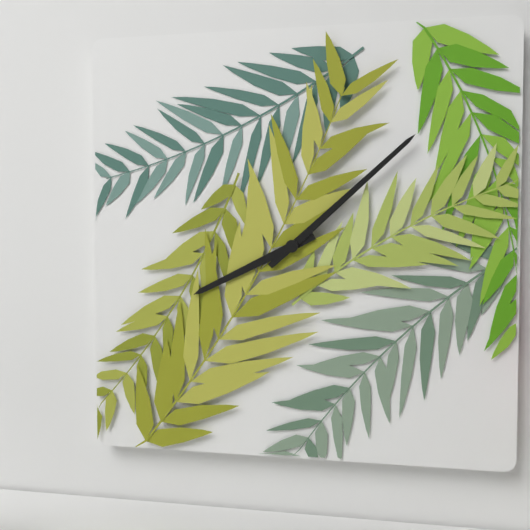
8:08
